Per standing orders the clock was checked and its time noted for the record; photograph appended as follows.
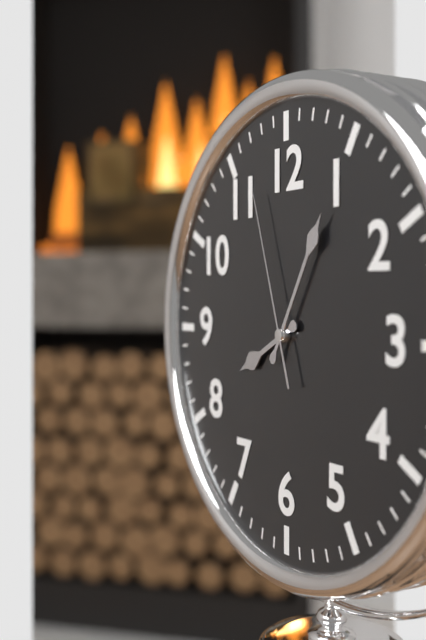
8:05:57
